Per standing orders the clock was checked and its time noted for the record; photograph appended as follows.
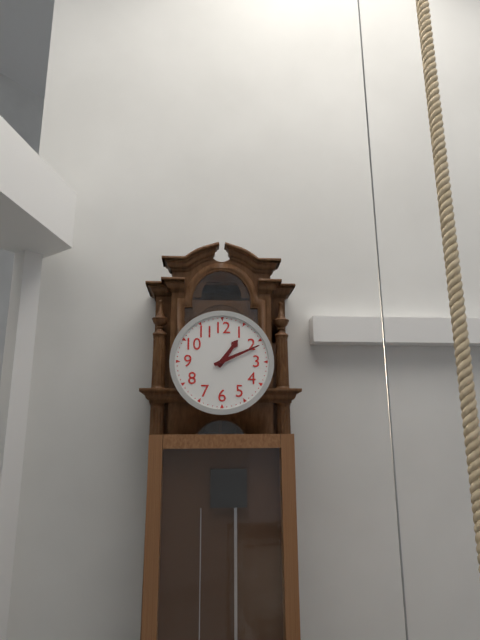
1:11
